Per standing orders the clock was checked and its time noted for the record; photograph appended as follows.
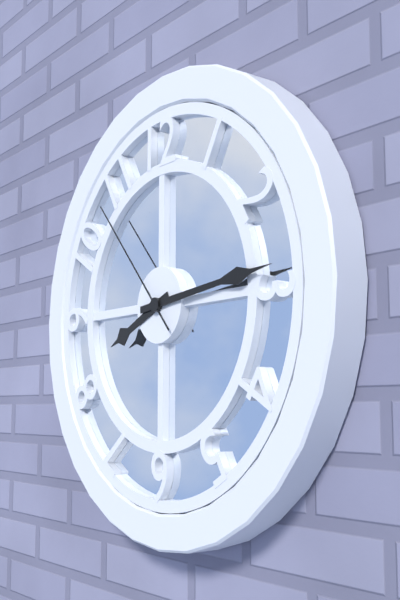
8:14:53
